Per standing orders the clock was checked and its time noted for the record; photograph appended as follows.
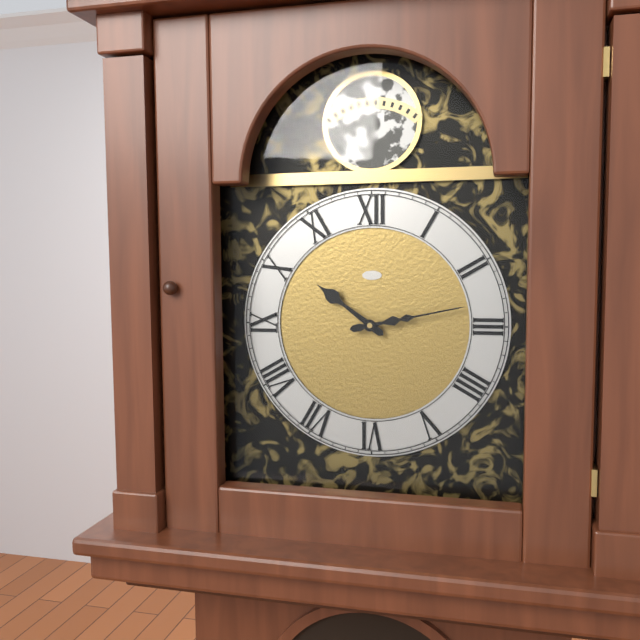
10:13
